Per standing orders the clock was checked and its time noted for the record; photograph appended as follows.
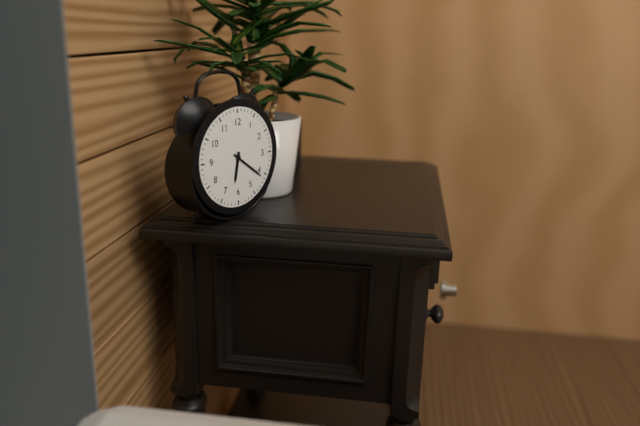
6:21
